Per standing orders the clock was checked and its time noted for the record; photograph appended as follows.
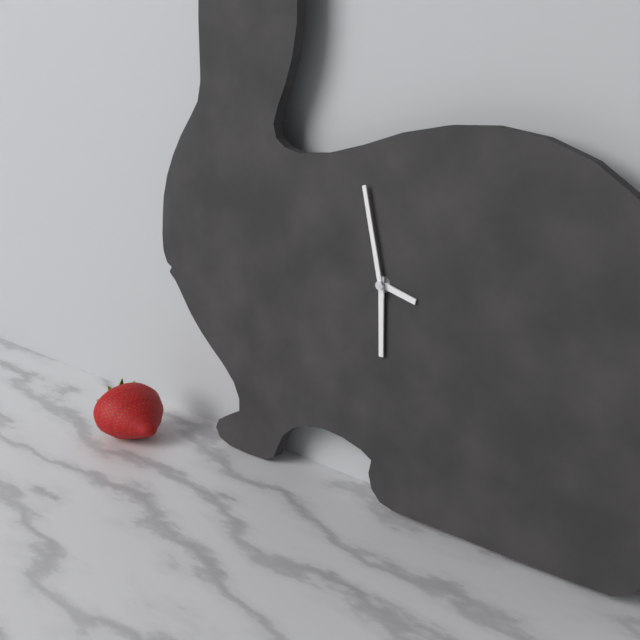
3:30:58
